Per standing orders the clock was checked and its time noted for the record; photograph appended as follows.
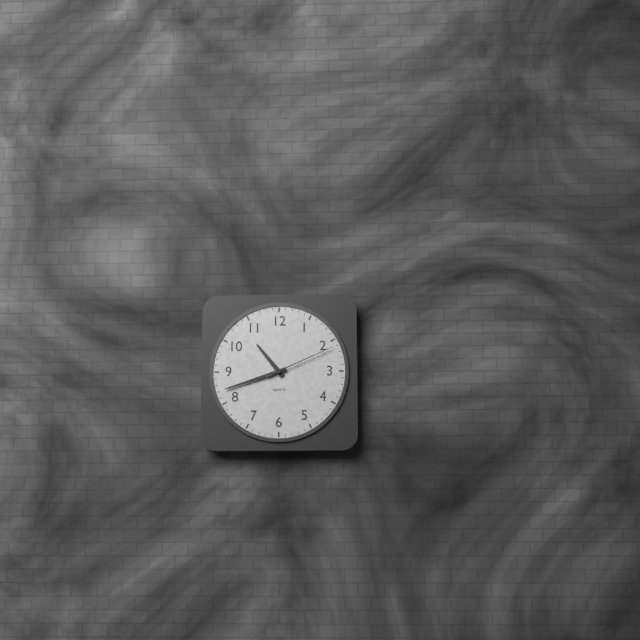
10:42:11
